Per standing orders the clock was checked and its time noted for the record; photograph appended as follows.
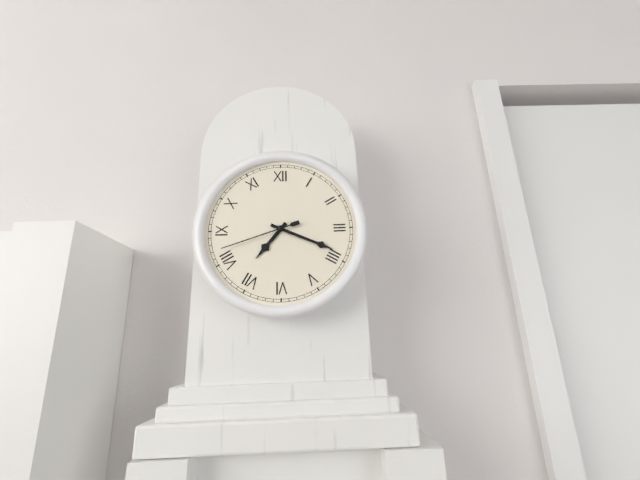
7:19:42
